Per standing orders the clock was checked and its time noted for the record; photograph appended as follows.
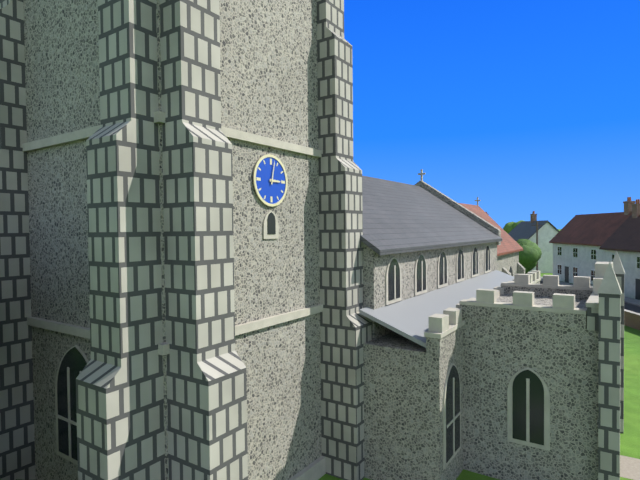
3:02
